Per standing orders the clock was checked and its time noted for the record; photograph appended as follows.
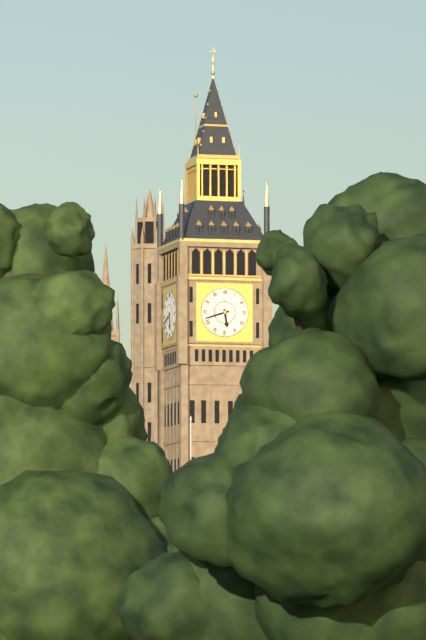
5:42
